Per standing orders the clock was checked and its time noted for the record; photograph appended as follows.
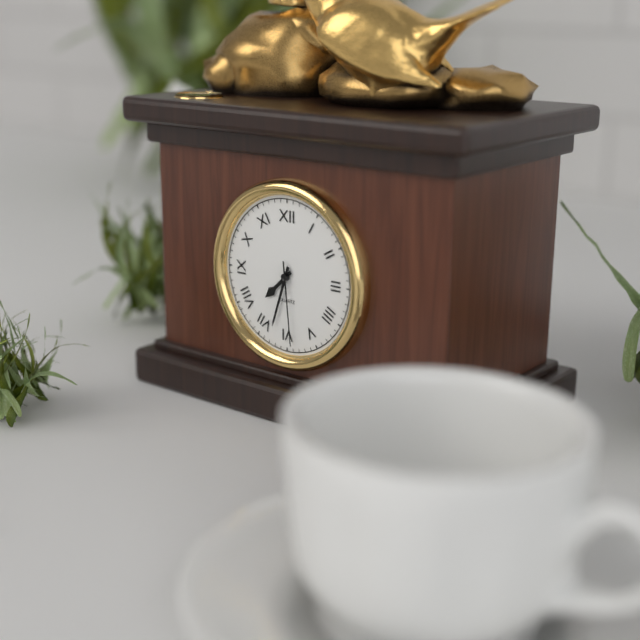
7:33:29
